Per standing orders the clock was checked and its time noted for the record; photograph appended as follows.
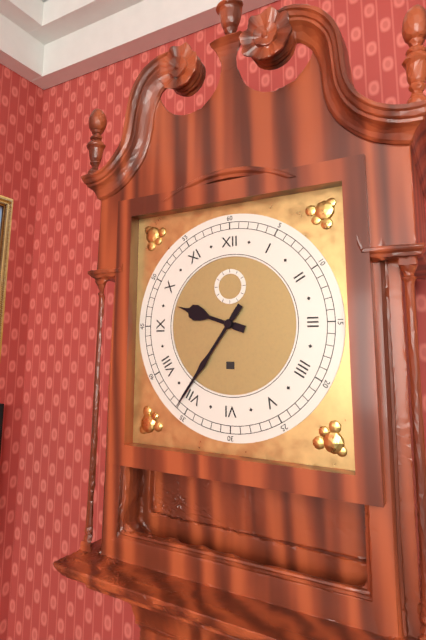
9:36
